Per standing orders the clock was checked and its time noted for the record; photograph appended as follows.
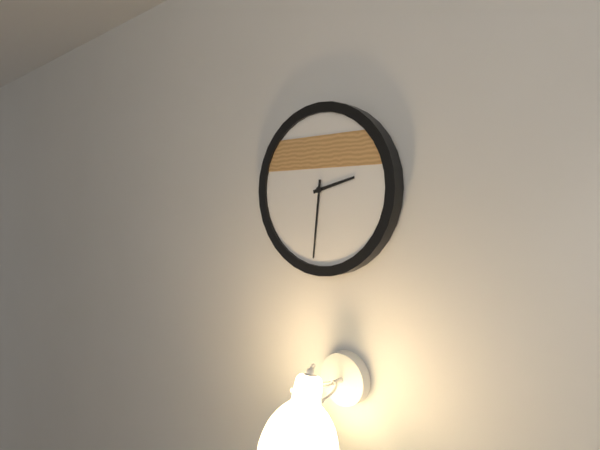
2:31
